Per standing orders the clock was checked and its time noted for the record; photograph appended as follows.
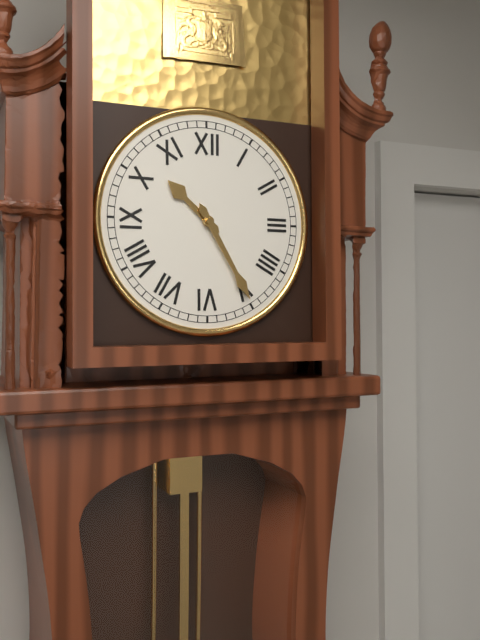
10:25
